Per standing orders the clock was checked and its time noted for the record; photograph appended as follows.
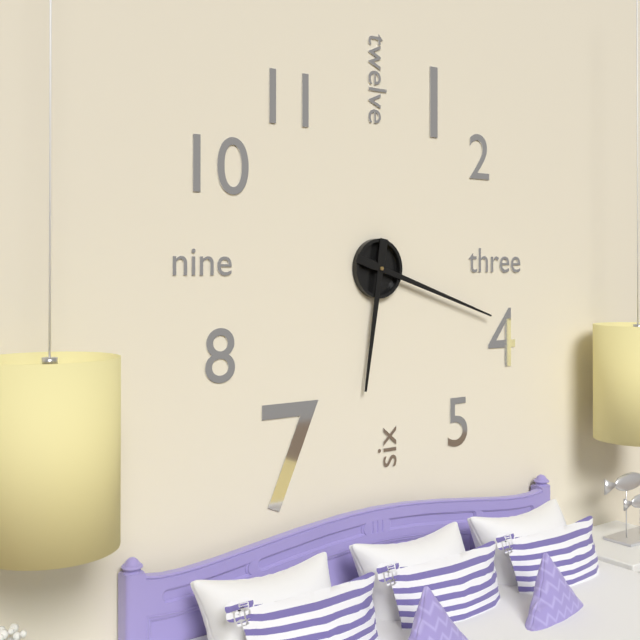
6:18
